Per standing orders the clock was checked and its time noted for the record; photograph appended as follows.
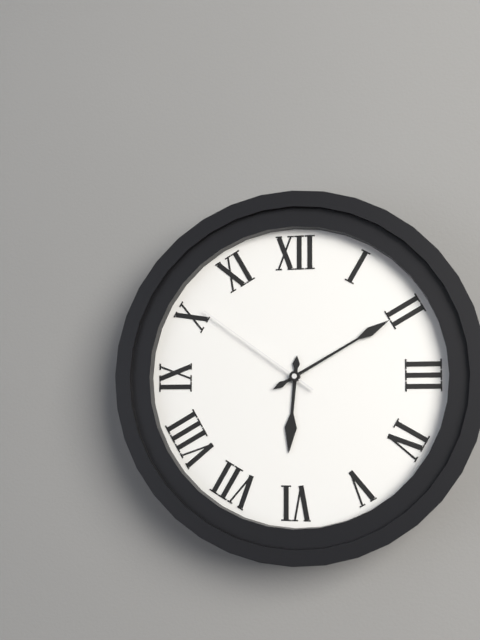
6:10:51
